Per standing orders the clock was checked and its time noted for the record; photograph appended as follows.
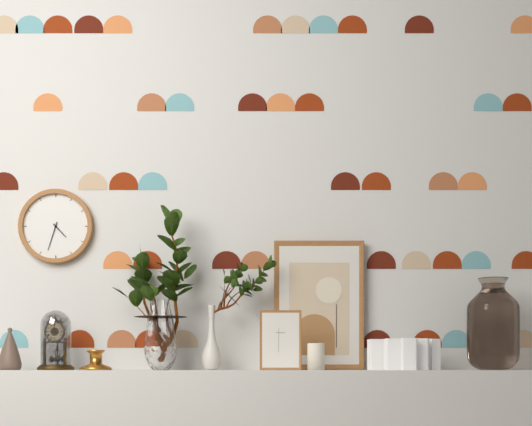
4:33
